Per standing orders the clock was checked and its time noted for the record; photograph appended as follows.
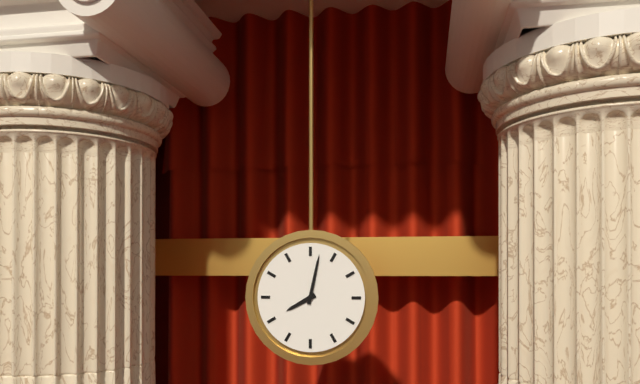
8:02
